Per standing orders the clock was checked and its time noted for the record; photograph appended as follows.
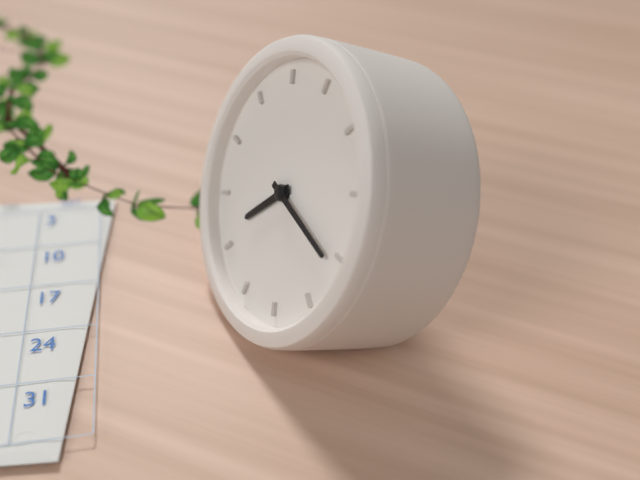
7:16
